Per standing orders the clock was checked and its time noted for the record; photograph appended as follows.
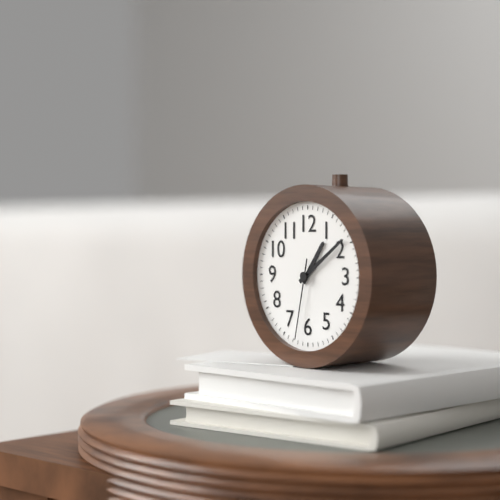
1:09:32
